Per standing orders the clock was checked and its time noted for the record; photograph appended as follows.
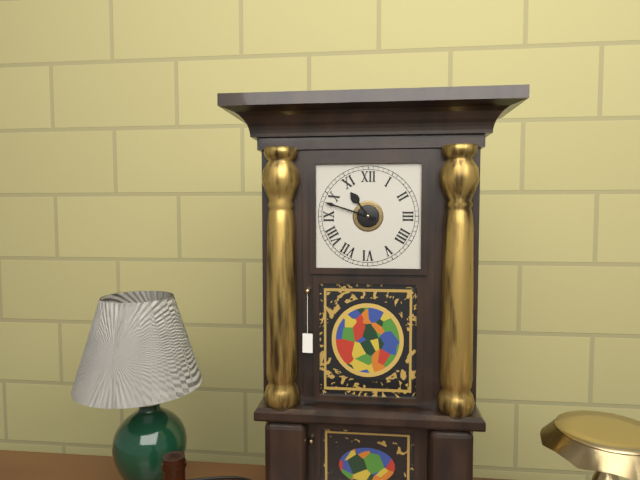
10:48
